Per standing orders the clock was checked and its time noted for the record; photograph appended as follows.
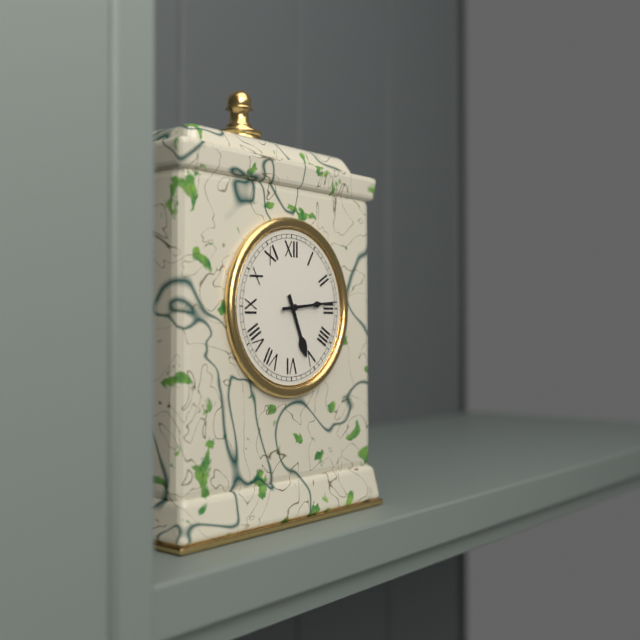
5:14
